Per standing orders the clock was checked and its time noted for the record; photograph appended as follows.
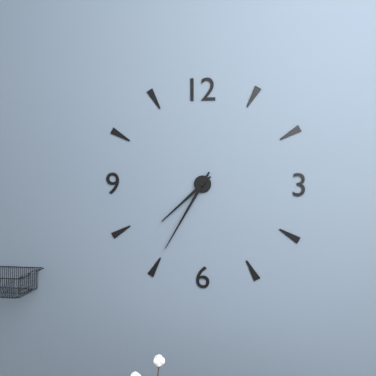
7:35
